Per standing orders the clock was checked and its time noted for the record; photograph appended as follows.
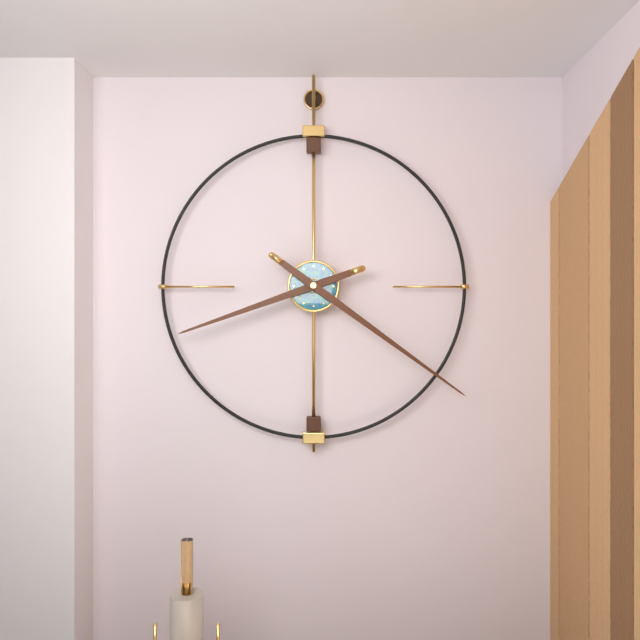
8:21
